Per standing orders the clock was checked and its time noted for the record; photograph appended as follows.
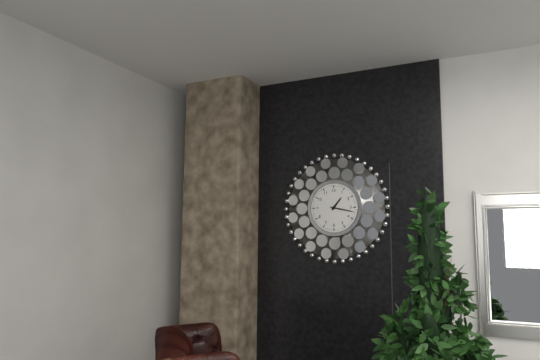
1:17
